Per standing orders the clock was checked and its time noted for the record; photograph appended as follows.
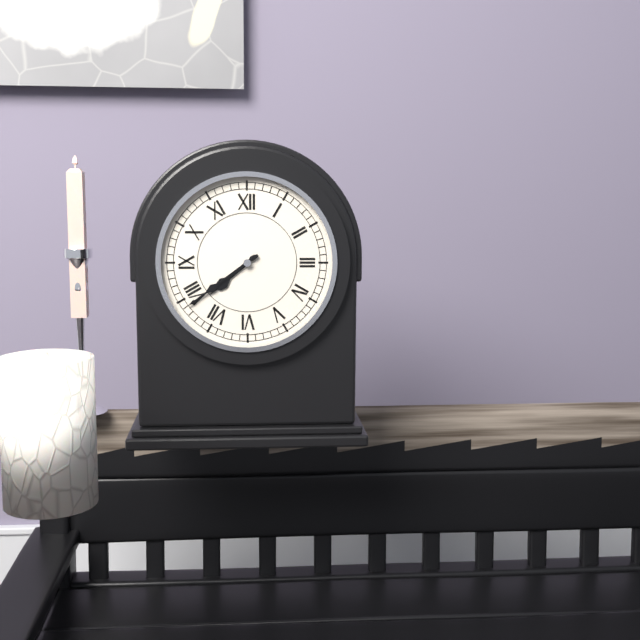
7:39
